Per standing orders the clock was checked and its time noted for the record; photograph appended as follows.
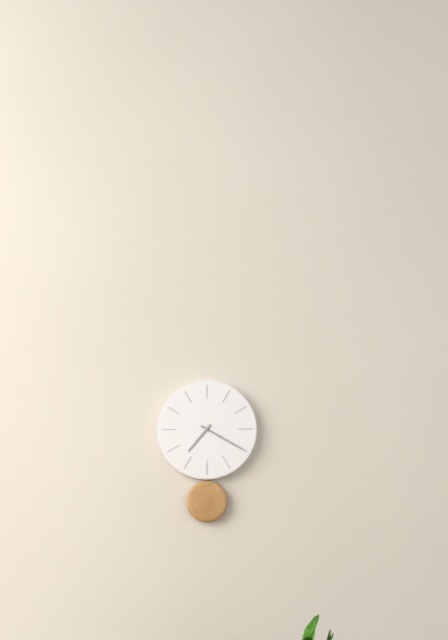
7:20
